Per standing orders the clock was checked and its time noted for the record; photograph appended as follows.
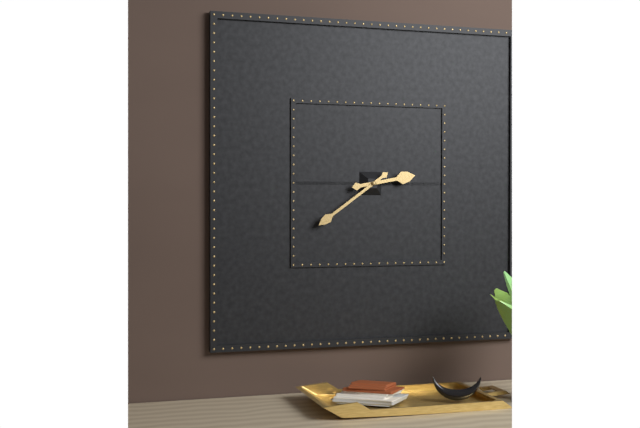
2:39
